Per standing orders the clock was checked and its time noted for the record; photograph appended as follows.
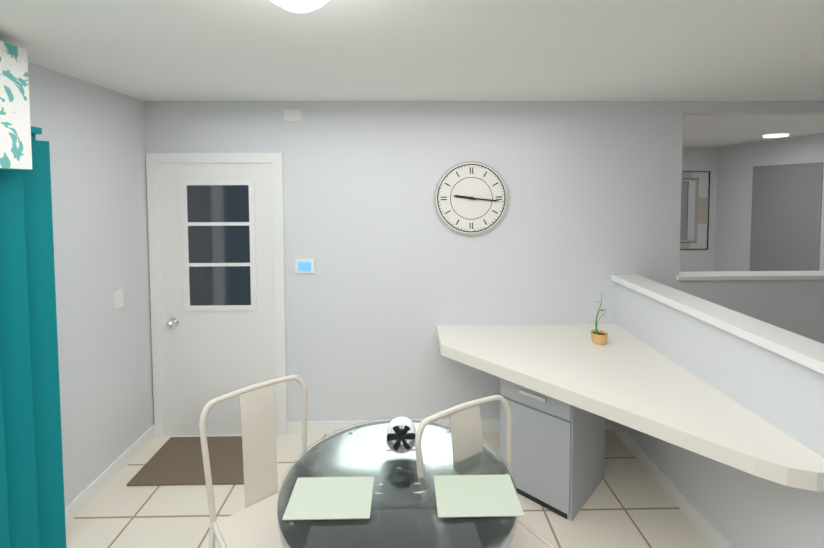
9:16
